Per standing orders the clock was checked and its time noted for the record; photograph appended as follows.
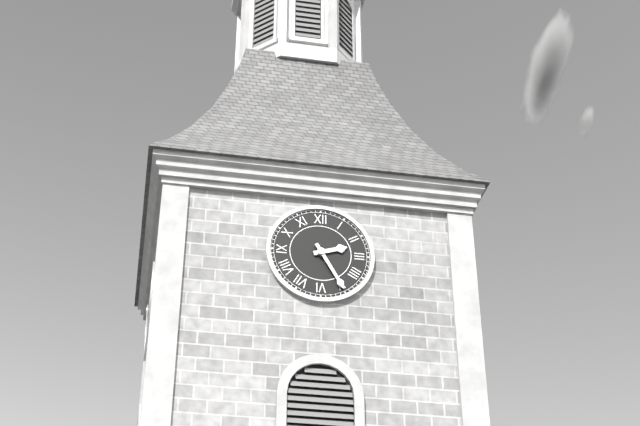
2:25
